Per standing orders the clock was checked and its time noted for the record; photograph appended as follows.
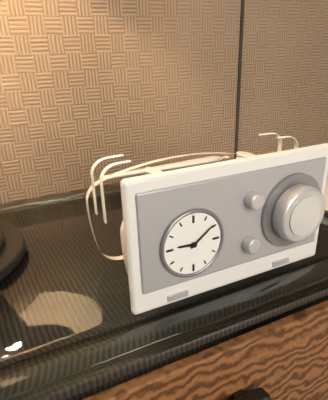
9:09
